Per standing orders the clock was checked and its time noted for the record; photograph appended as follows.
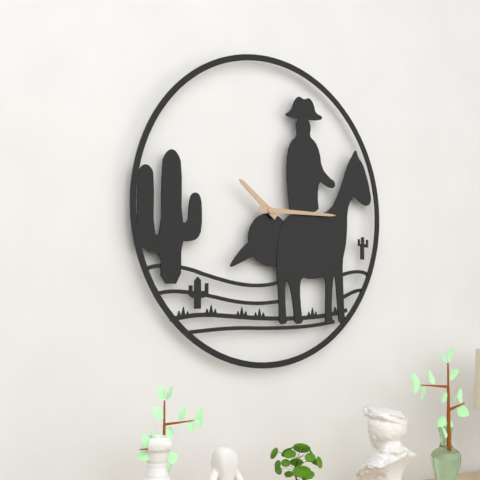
10:15
